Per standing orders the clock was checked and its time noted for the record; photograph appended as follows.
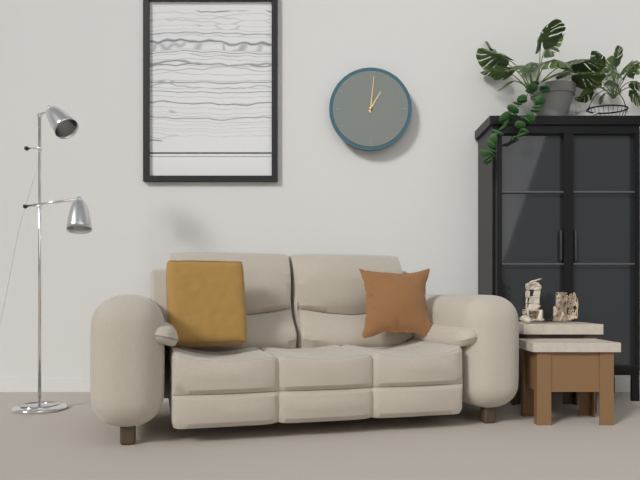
1:01
